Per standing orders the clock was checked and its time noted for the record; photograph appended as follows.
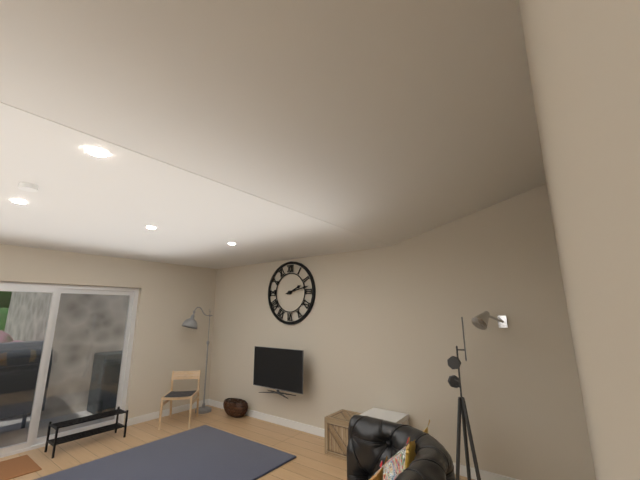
2:13
